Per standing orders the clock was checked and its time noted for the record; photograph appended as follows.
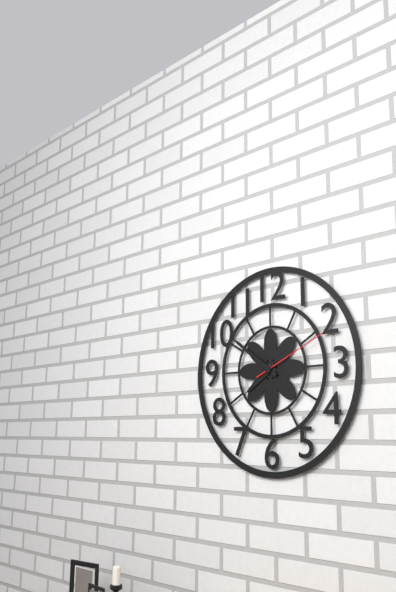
7:51:11
